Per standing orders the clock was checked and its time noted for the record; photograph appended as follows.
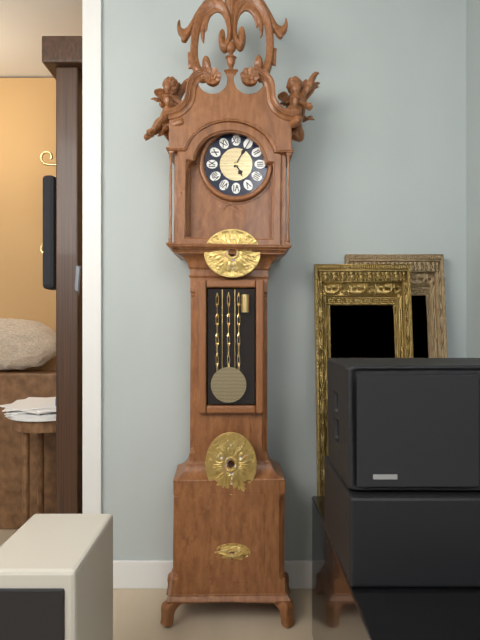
5:05
